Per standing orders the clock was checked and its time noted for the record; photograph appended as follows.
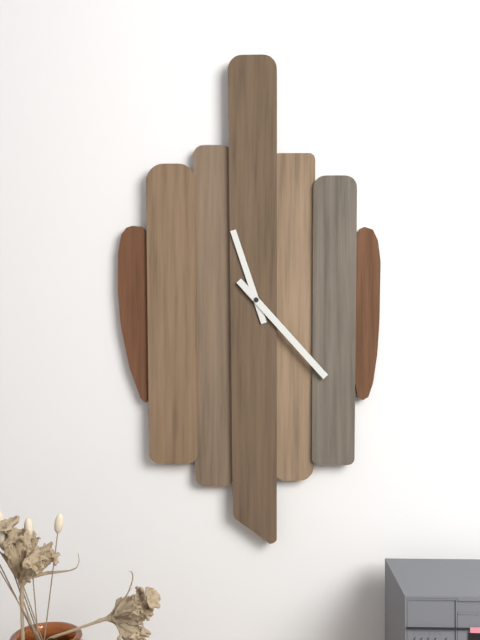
11:23
